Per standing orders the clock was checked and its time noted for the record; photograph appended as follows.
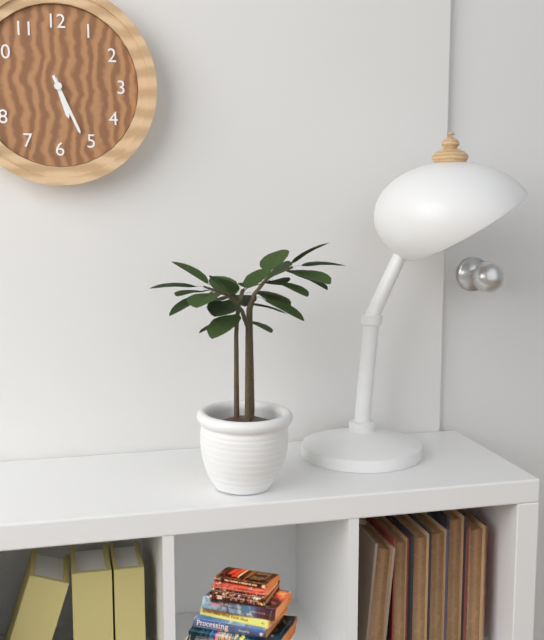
5:26
